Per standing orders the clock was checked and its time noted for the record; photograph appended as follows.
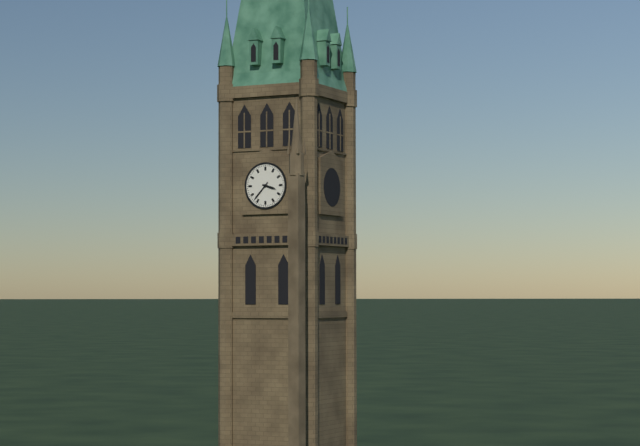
3:37
